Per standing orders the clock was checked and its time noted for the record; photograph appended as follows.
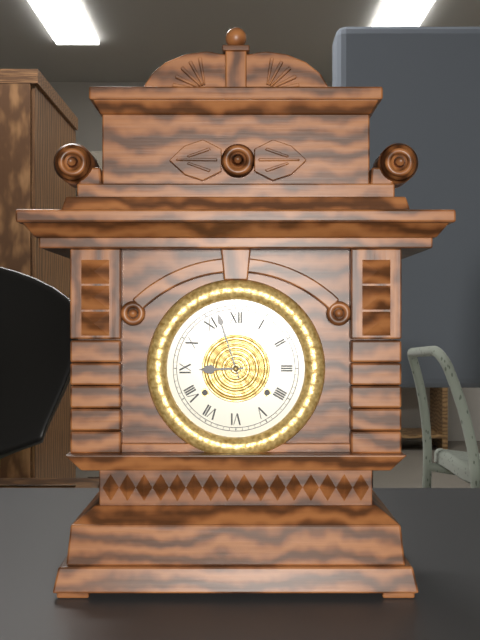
8:57
